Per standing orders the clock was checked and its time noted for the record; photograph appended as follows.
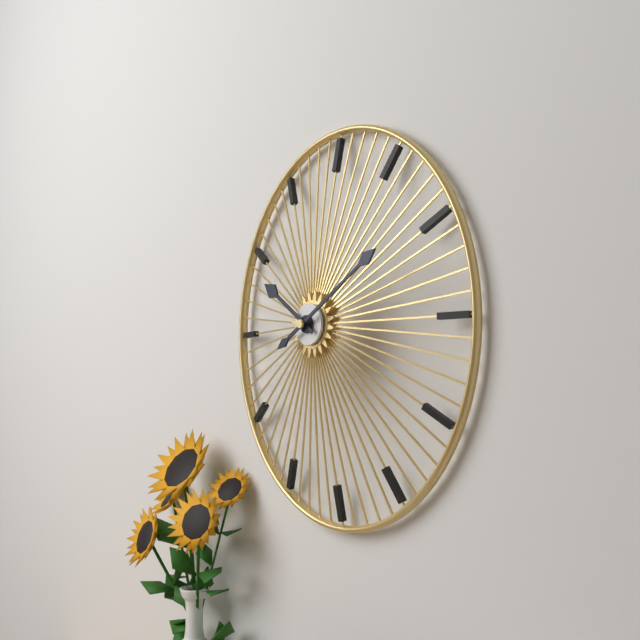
10:10
